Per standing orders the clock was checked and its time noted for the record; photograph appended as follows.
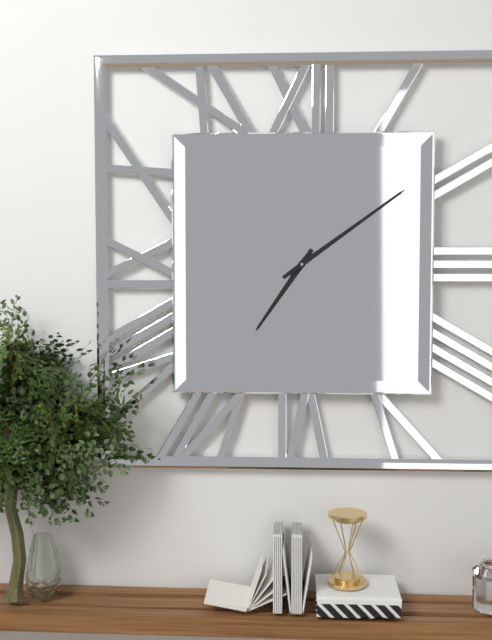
7:09
